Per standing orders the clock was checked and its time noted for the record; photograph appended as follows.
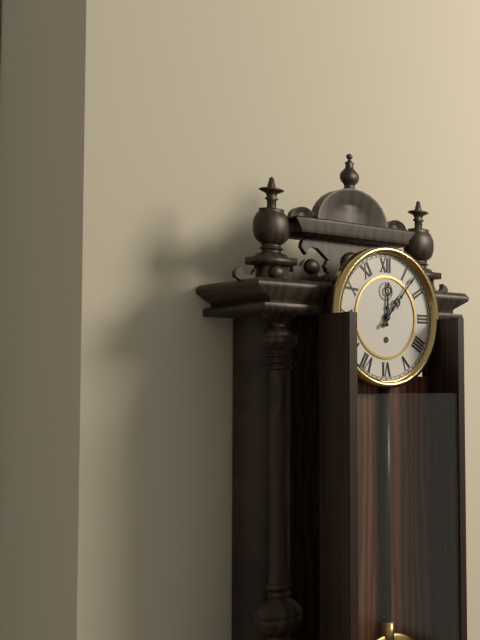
12:07
